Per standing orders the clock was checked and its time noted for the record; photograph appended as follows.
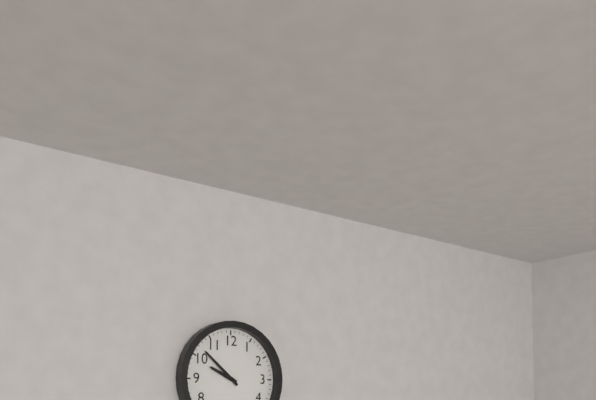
9:52
